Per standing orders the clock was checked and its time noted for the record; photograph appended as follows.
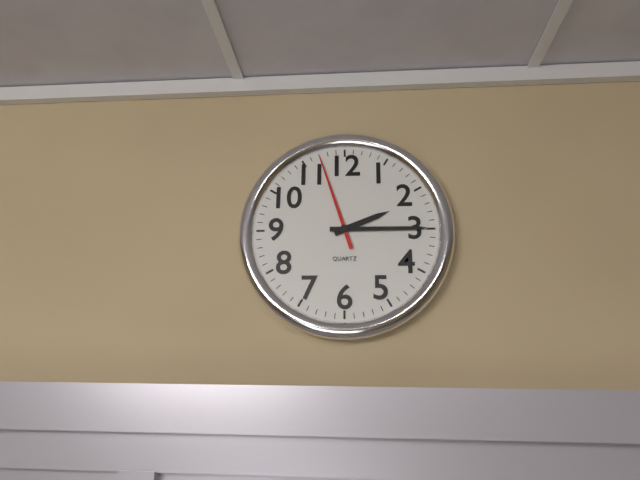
2:15:57
